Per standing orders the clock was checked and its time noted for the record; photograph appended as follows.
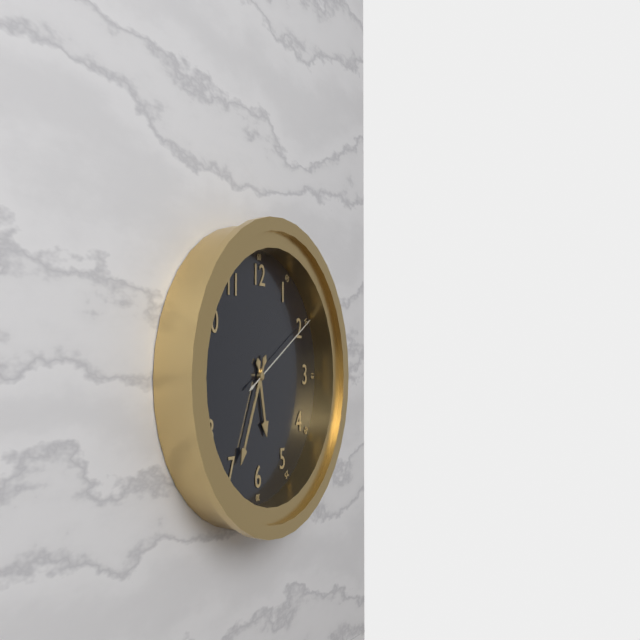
5:34:10
